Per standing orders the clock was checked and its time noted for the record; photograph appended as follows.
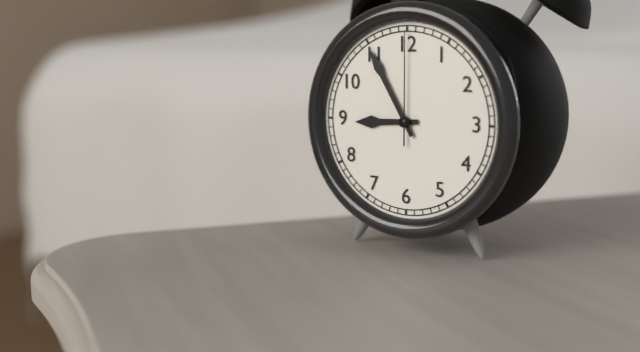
8:55:00
